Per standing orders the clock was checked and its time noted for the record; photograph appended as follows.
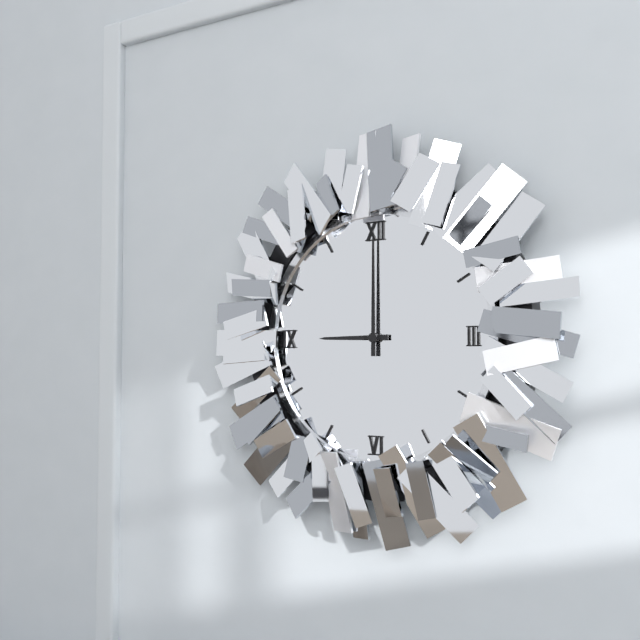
9:00
